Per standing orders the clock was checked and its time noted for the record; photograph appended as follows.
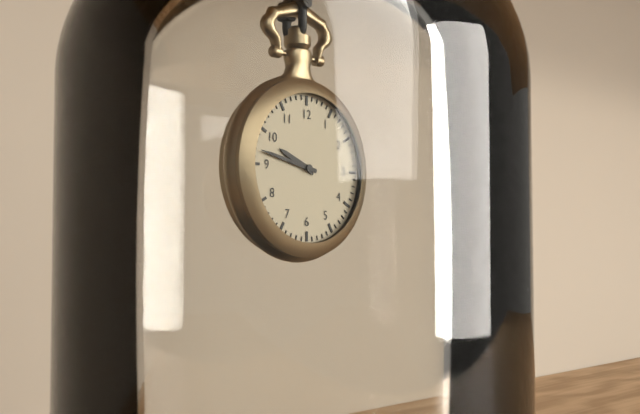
9:47
